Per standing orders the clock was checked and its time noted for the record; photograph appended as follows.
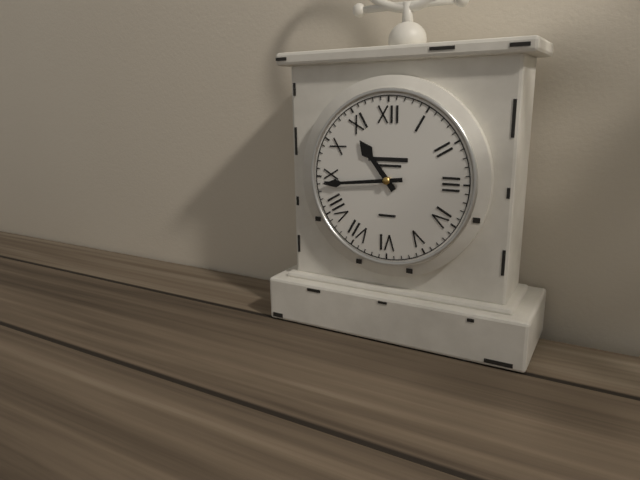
10:44
